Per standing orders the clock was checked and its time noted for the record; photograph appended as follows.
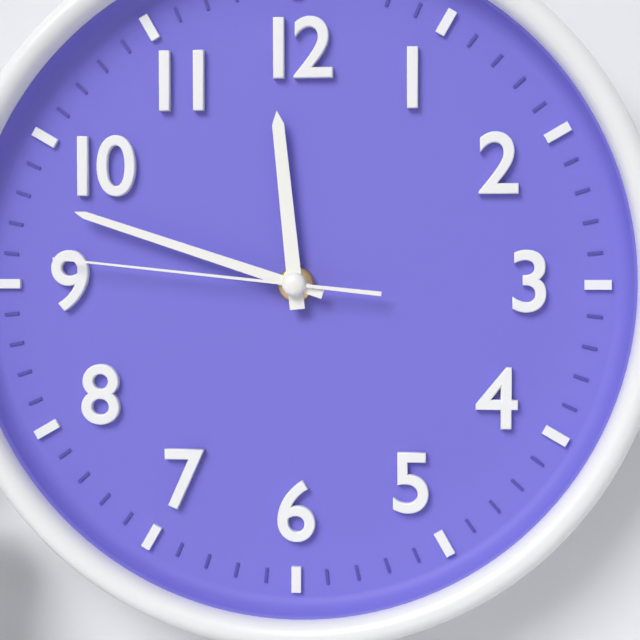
11:48:46
